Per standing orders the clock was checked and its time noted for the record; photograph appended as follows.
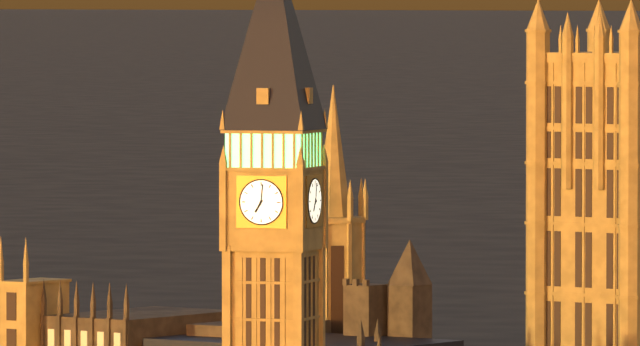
7:01
